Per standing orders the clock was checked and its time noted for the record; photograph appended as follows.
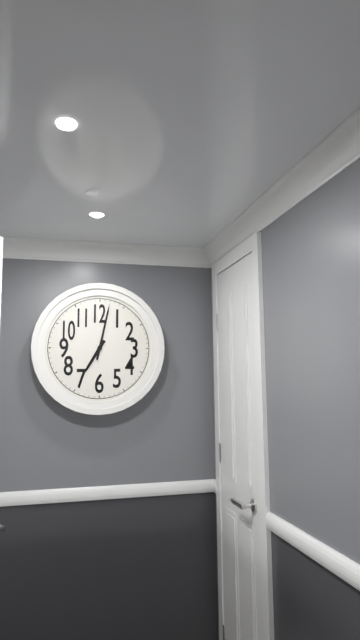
7:02
